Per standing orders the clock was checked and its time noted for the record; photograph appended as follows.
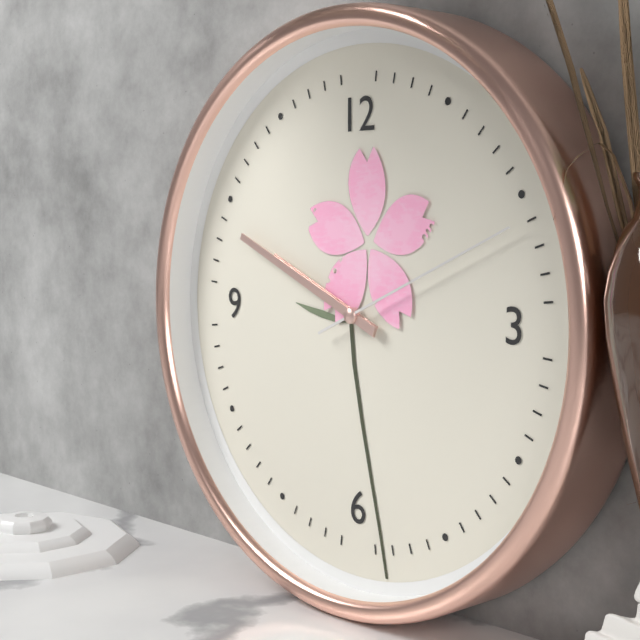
9:49:11
